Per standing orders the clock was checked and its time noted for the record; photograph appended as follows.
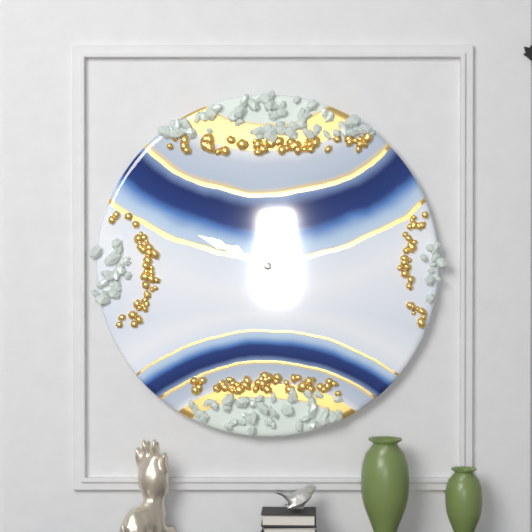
9:49
